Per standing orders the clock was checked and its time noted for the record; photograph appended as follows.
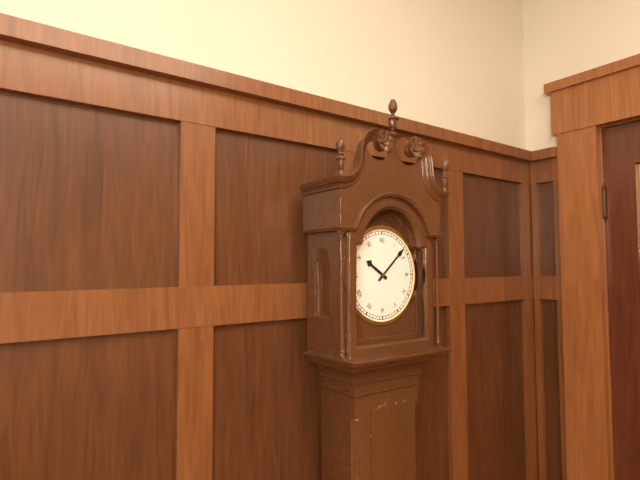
10:08
